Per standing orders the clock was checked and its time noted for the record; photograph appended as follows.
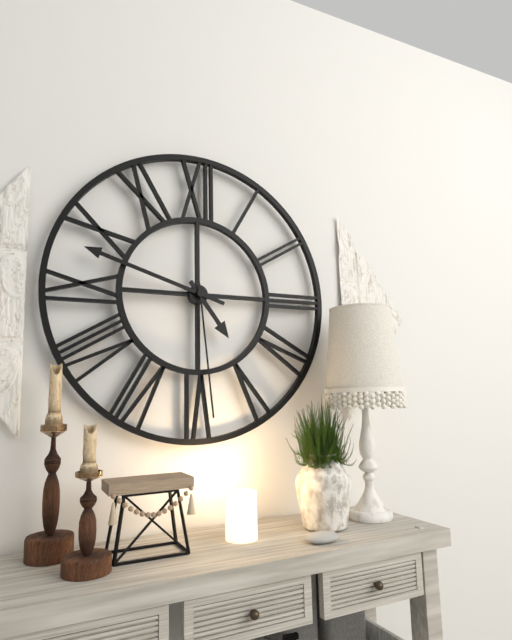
4:48:29
